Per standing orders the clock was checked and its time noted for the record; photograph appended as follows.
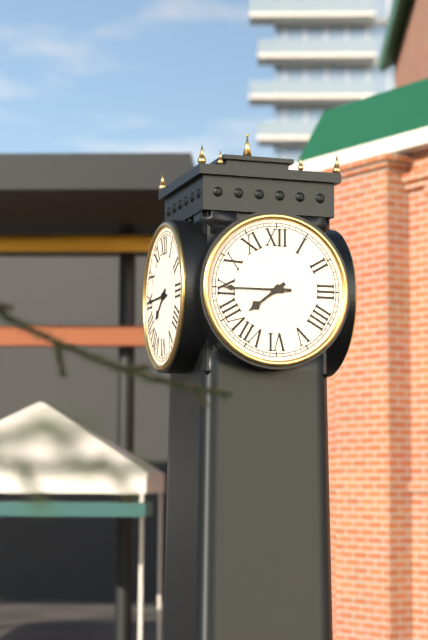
7:45
